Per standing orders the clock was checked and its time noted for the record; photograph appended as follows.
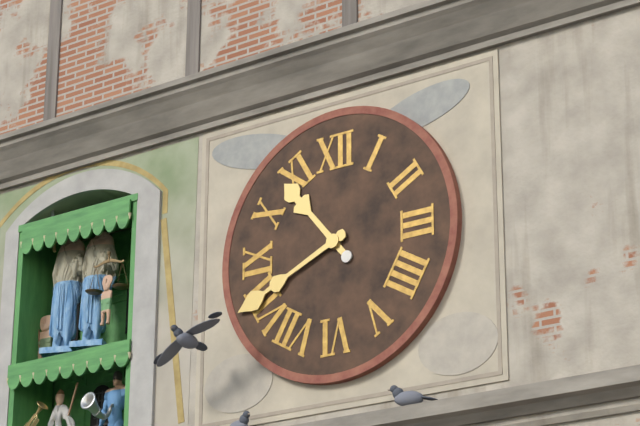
10:41
